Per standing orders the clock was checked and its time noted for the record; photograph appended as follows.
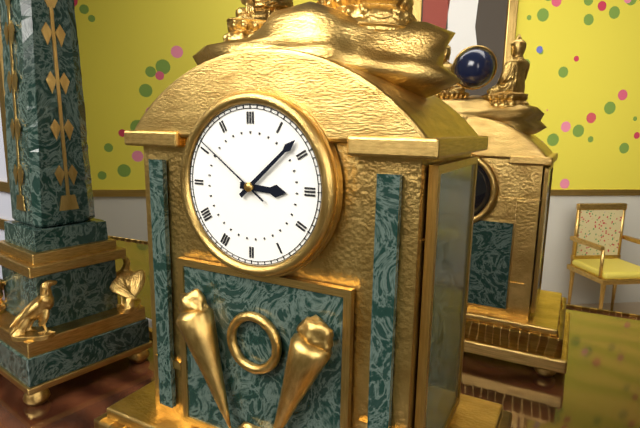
3:08:51
